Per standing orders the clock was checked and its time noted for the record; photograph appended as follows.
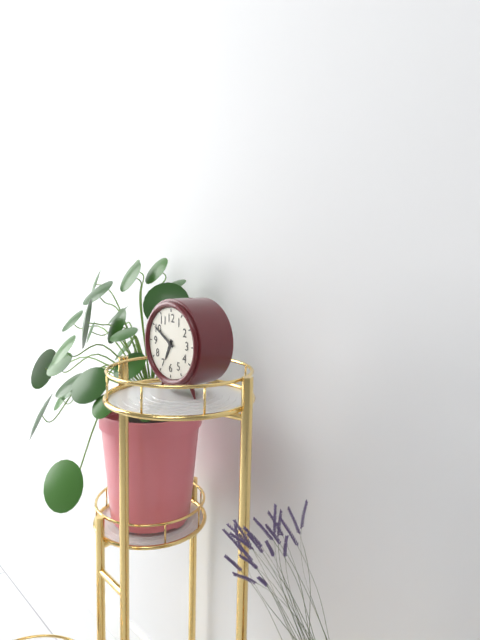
6:50
